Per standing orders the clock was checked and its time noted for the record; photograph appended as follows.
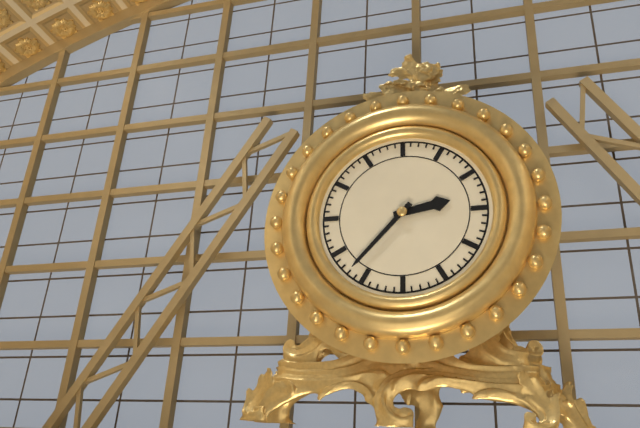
2:37
